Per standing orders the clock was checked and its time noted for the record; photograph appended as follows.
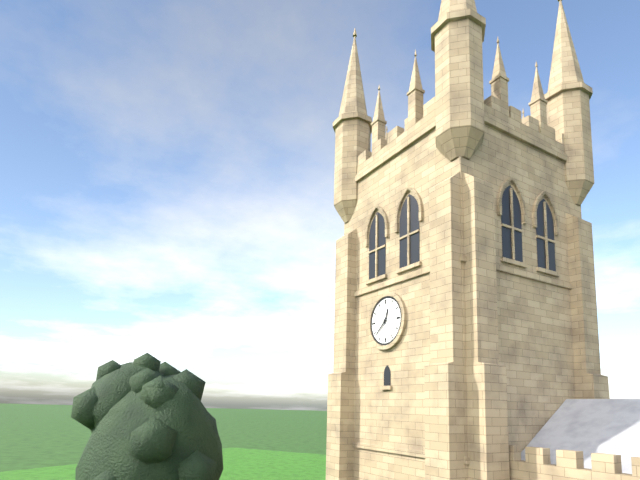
12:38
